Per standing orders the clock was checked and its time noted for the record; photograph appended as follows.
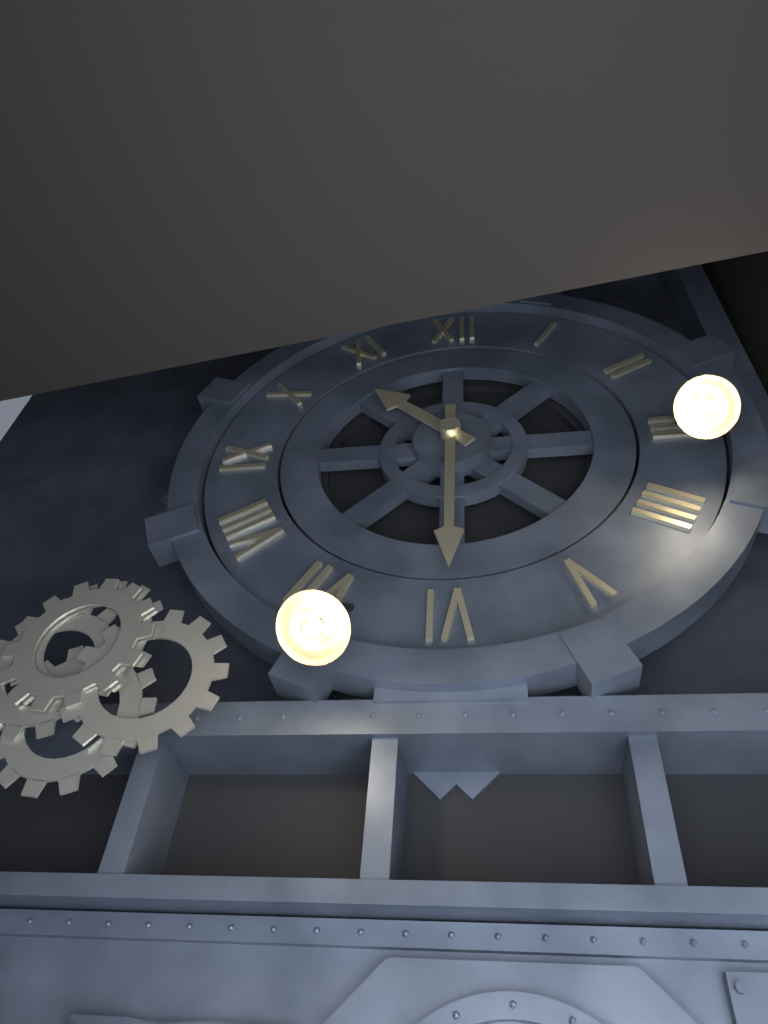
10:30
